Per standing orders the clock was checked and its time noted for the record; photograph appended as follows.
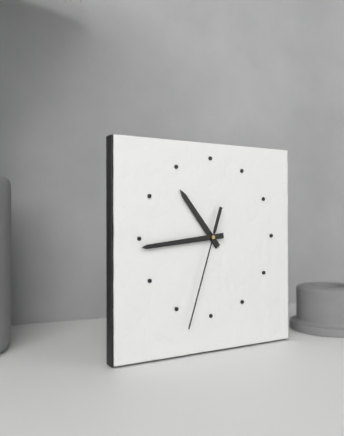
10:44:33
